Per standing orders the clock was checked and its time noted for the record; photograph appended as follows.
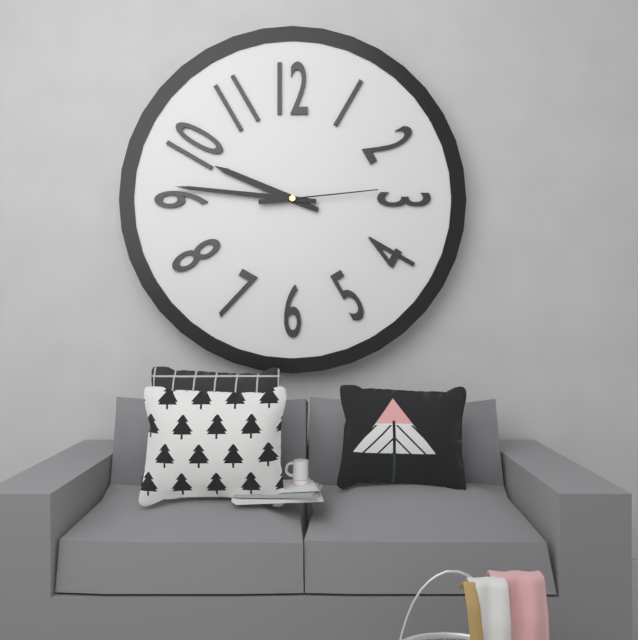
9:46:14
